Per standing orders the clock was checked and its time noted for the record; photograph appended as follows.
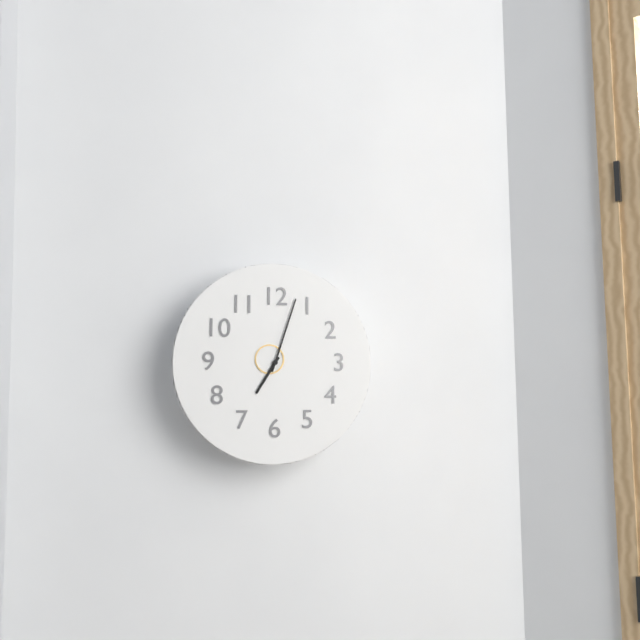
7:03
